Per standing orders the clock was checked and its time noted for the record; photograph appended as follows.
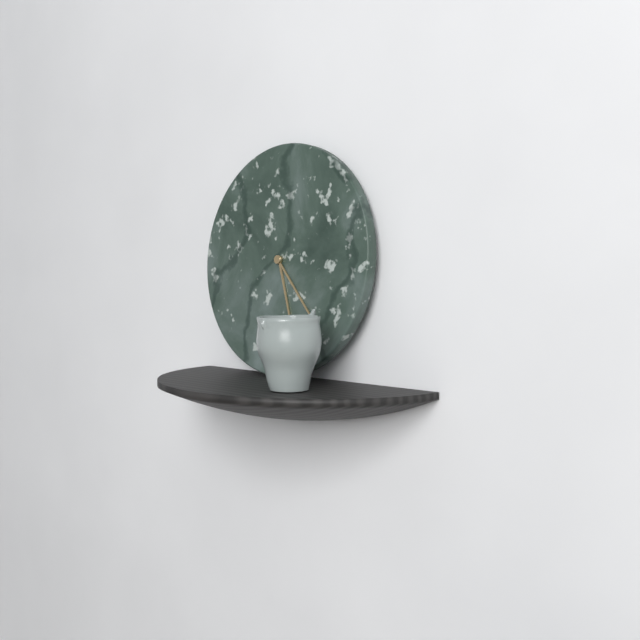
5:23
